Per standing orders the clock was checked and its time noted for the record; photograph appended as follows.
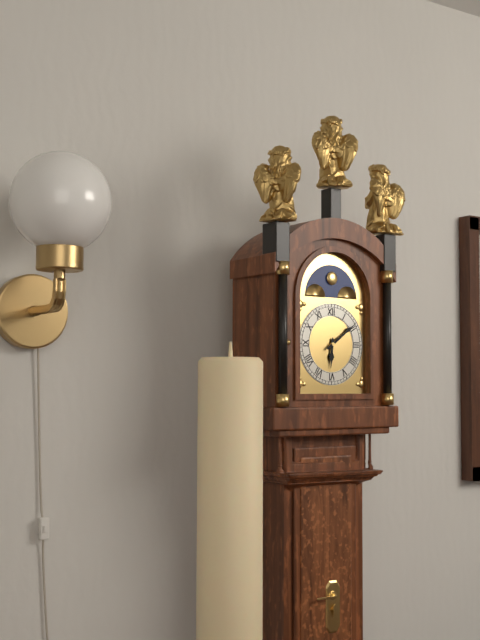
6:09
